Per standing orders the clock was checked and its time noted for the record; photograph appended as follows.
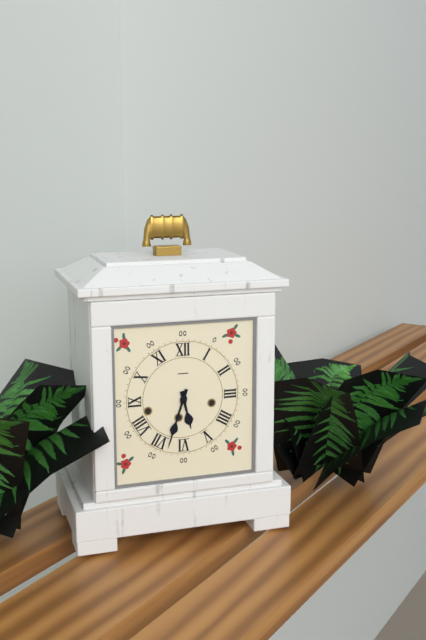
5:33
